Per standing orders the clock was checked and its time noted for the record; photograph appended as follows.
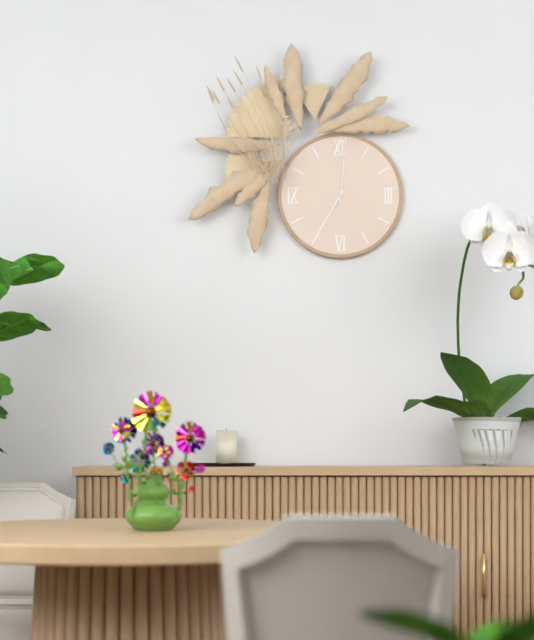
7:01
